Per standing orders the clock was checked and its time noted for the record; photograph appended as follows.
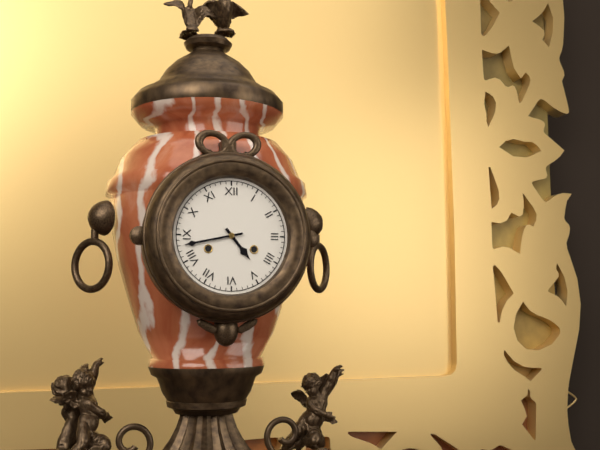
4:43
